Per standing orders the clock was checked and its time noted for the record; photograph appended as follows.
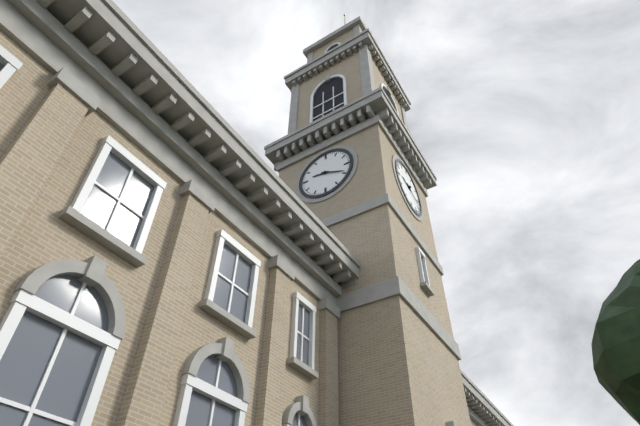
9:19
